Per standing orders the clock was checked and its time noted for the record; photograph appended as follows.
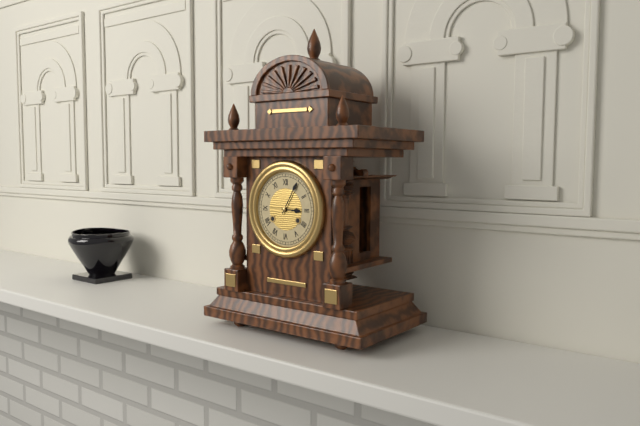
3:05
